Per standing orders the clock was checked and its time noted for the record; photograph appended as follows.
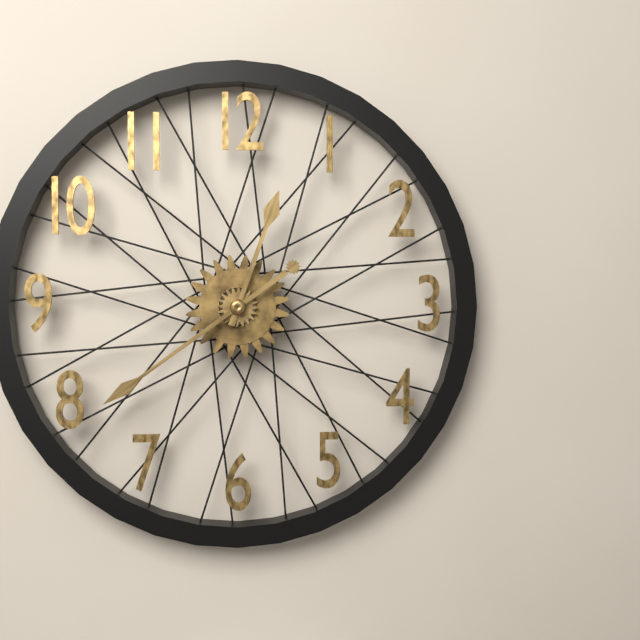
12:39
